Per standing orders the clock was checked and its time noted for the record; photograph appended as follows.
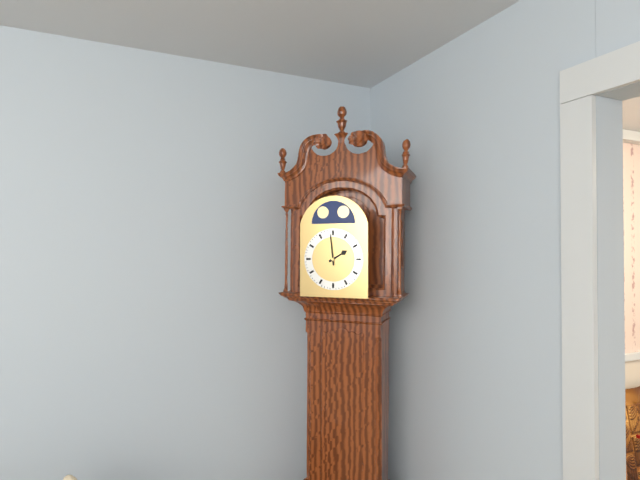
1:59
